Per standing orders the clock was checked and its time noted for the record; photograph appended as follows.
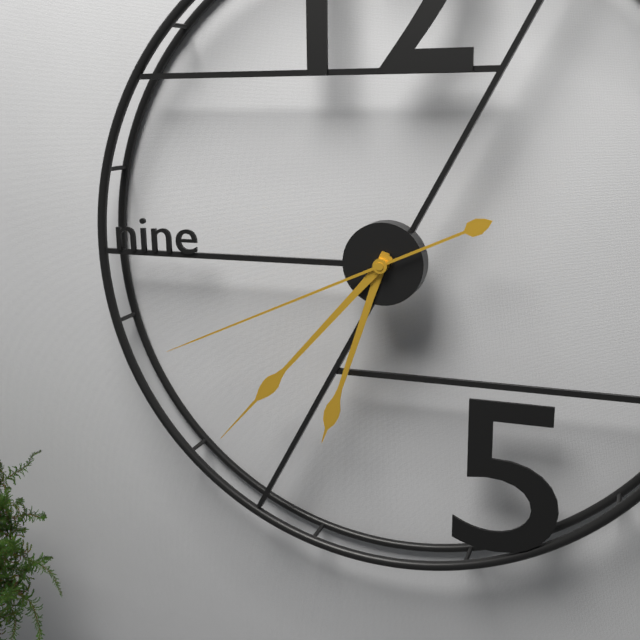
6:37:41
